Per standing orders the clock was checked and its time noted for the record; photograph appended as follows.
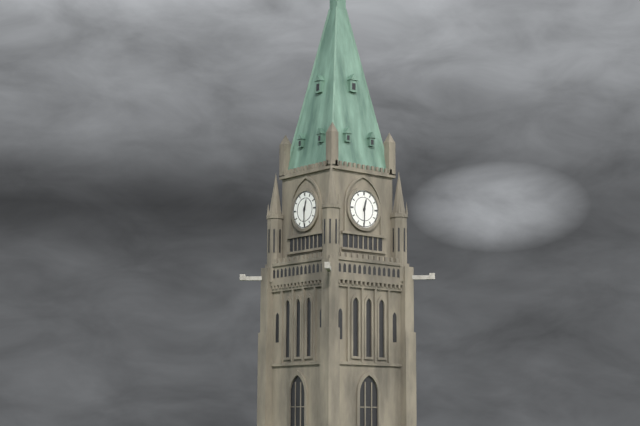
12:30
